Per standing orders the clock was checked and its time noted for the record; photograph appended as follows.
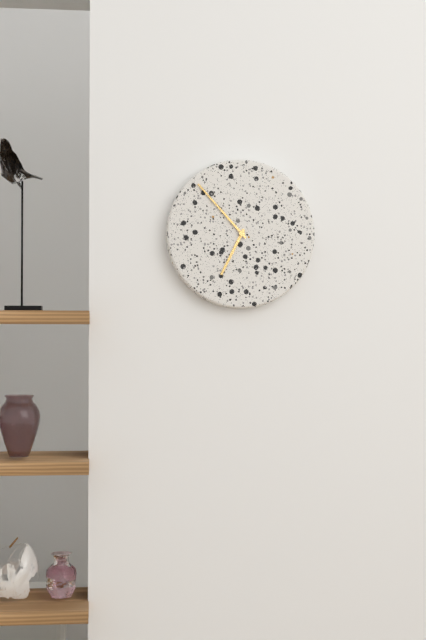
6:53
